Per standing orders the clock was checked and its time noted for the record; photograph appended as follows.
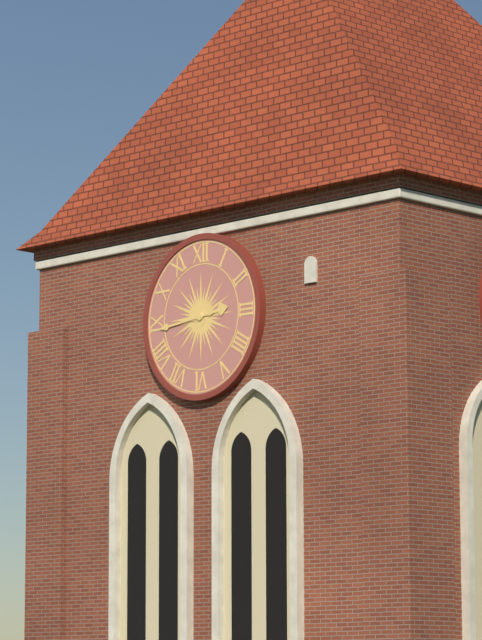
2:44
